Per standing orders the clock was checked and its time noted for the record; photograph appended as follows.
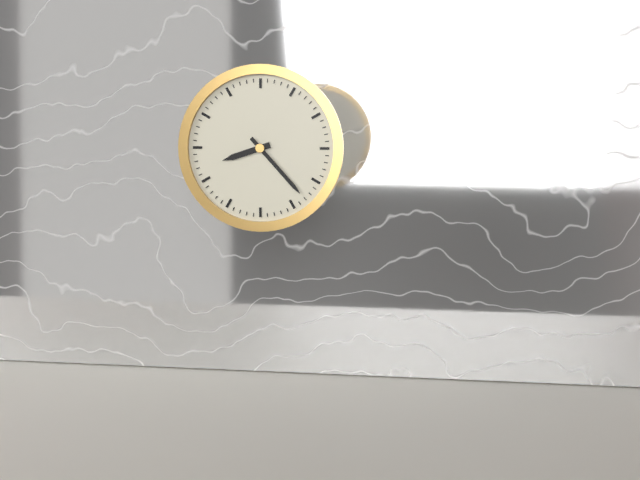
8:23
